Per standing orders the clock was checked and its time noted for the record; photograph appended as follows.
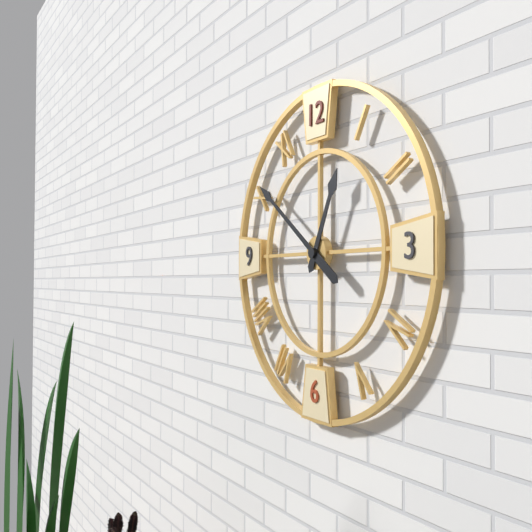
12:51
